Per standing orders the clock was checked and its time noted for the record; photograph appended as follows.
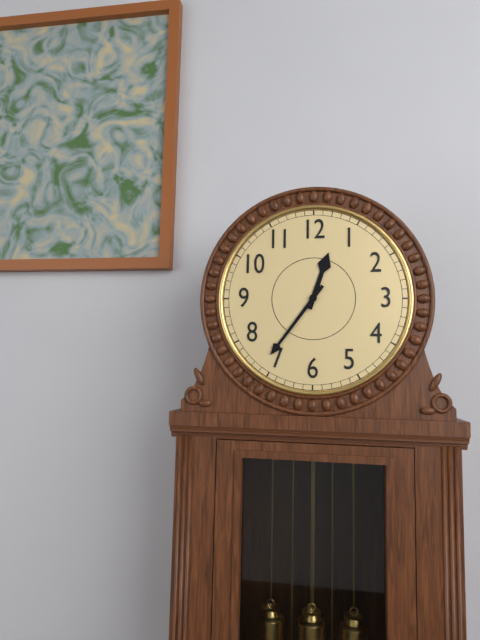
12:36
